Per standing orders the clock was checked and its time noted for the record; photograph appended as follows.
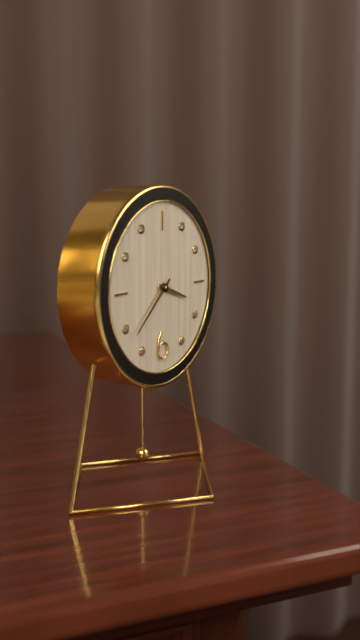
3:38
